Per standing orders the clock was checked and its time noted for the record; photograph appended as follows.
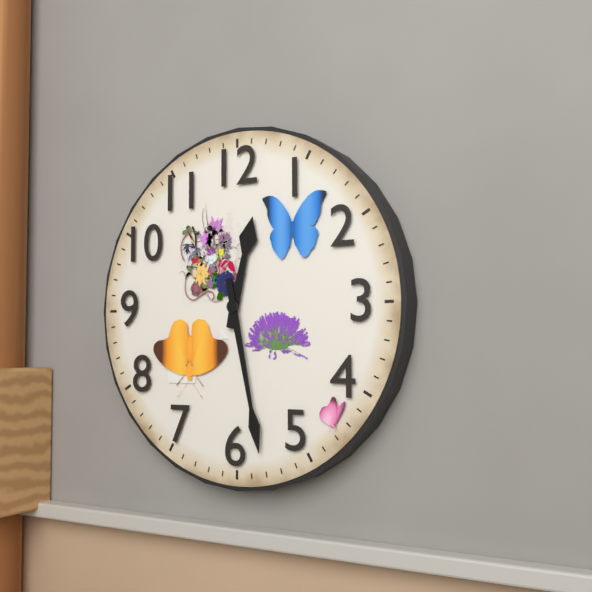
12:28
